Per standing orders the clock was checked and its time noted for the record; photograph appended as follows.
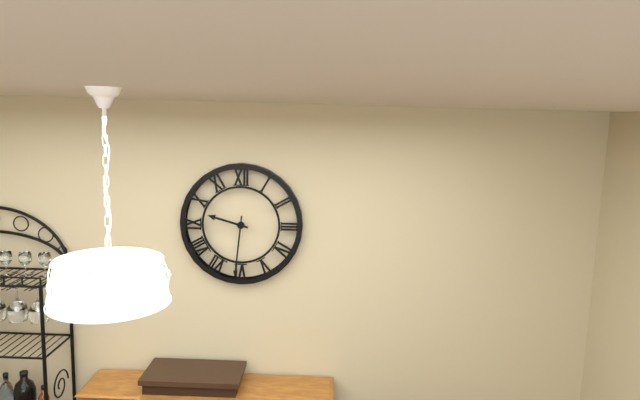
9:31
